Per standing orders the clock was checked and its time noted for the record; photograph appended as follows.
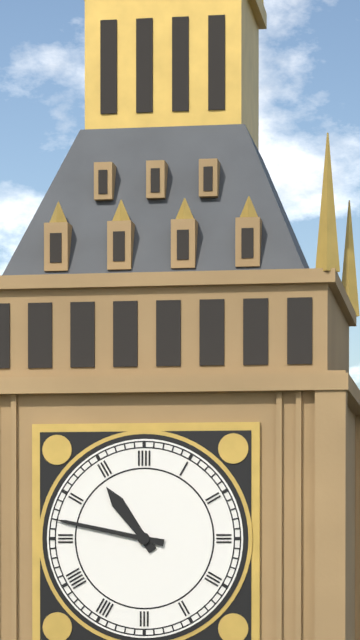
10:47
